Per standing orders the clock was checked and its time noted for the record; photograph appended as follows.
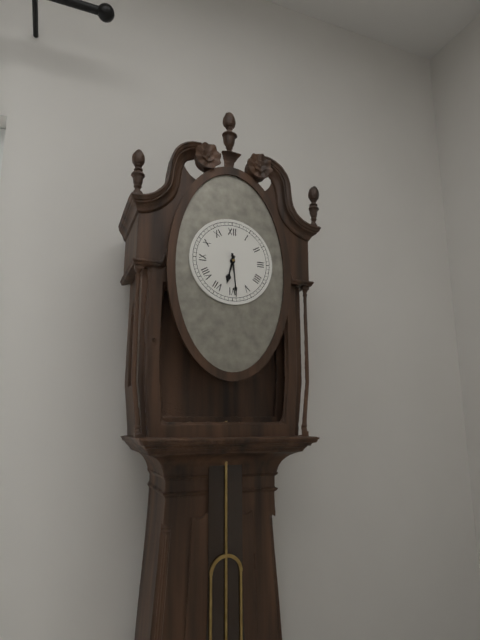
6:29
